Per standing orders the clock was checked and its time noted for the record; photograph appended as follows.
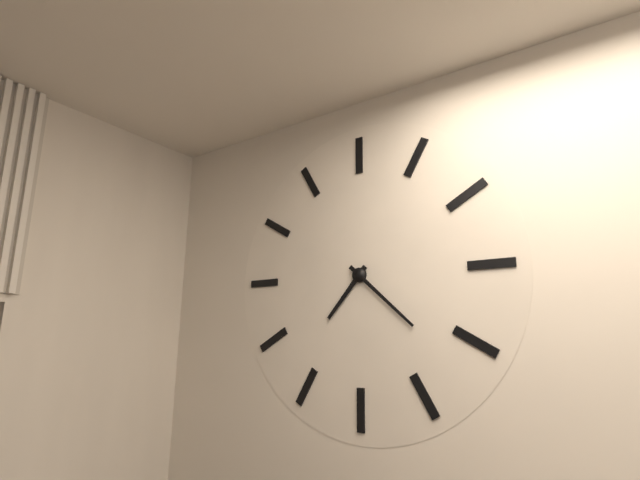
7:22
